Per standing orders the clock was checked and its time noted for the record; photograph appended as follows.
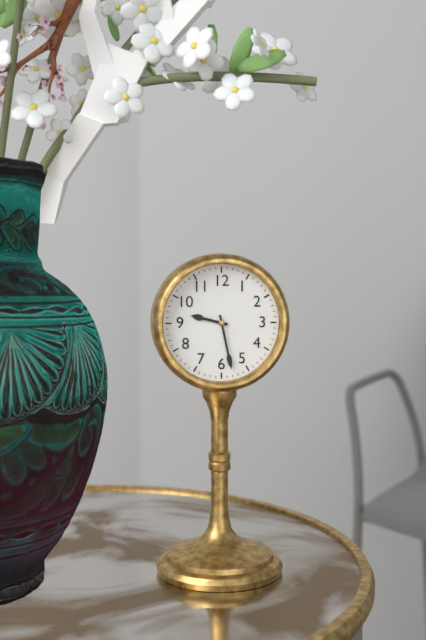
9:28
